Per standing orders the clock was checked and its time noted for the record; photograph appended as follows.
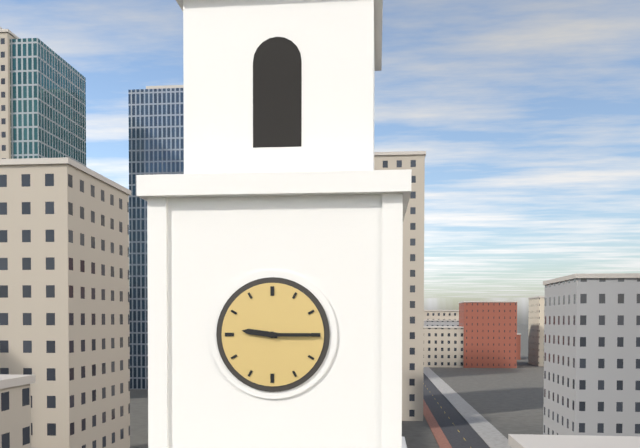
9:15
